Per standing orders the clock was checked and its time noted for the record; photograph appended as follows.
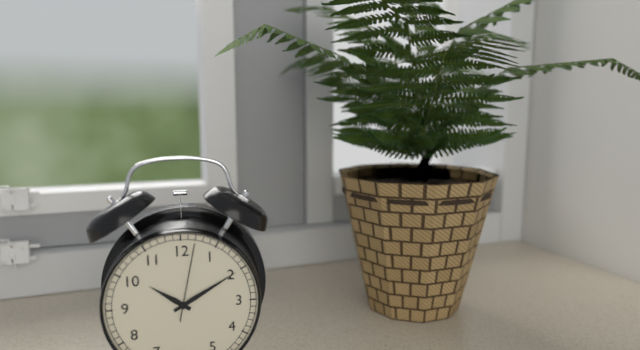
10:10:02
